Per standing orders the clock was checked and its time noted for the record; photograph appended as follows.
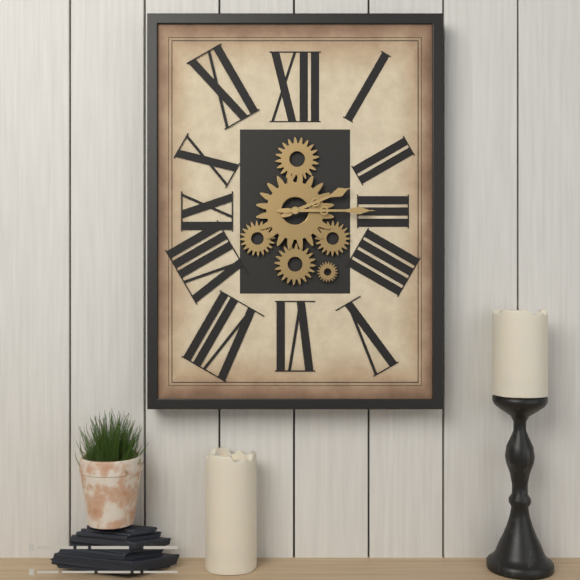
2:15
